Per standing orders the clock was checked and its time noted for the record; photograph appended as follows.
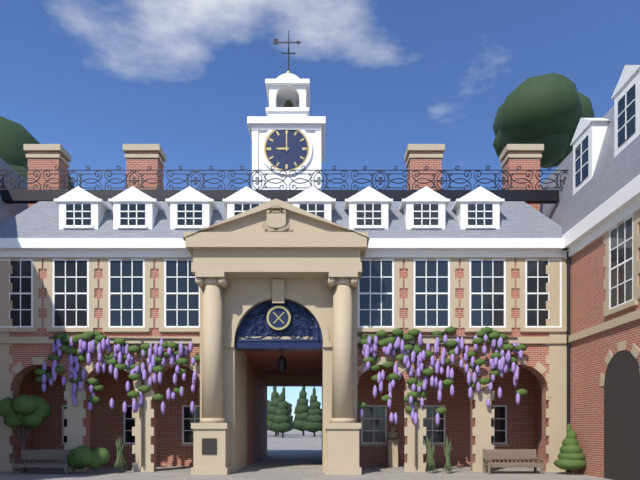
9:00
